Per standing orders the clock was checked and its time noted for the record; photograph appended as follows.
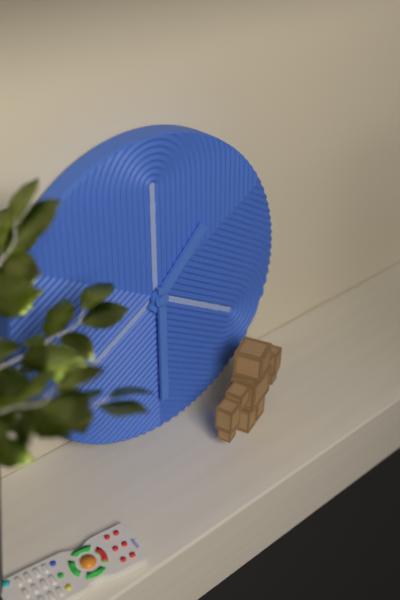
1:30
